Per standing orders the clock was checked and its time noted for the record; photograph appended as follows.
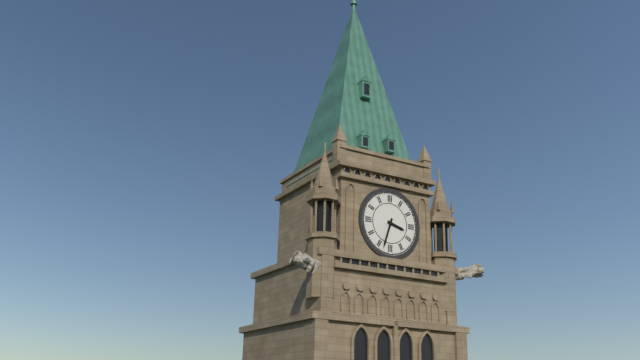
3:33
